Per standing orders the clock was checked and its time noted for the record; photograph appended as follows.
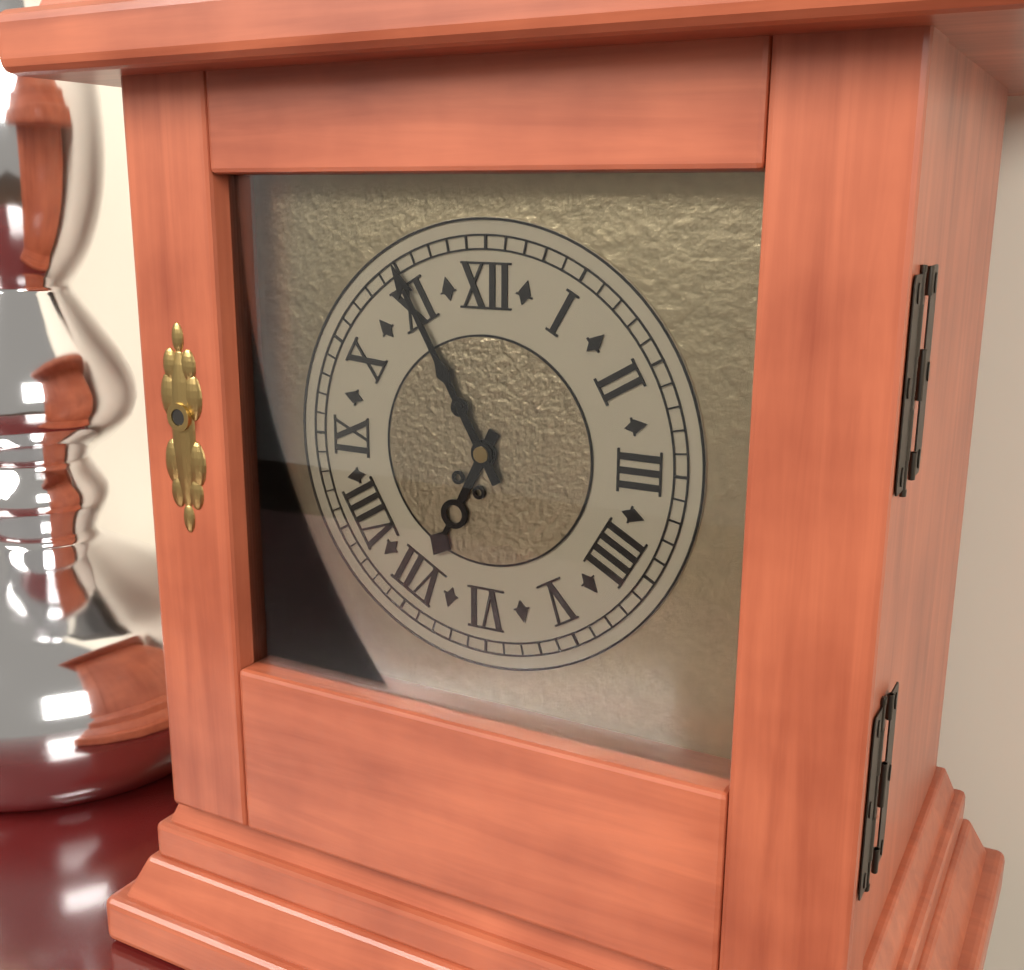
6:55
